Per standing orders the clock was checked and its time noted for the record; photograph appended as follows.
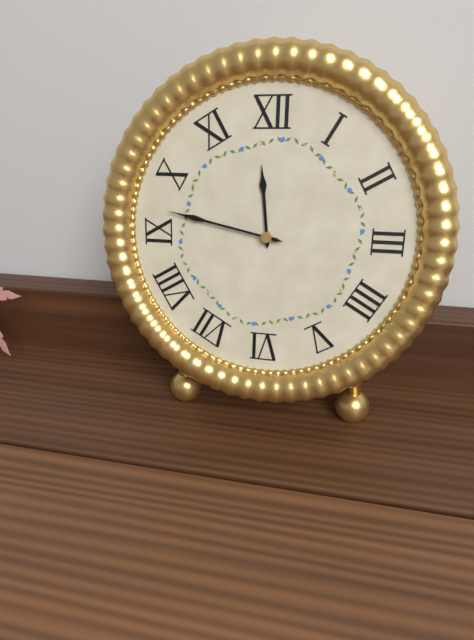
11:47
